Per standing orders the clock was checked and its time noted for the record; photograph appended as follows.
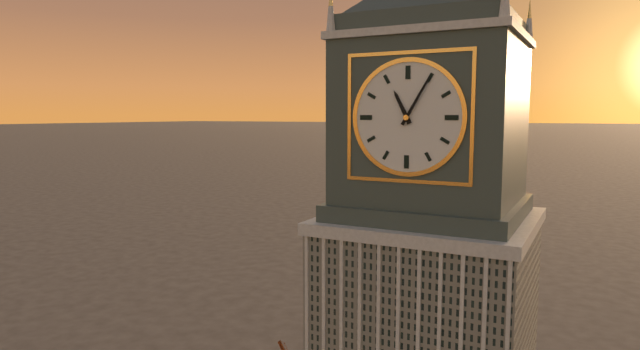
11:05
